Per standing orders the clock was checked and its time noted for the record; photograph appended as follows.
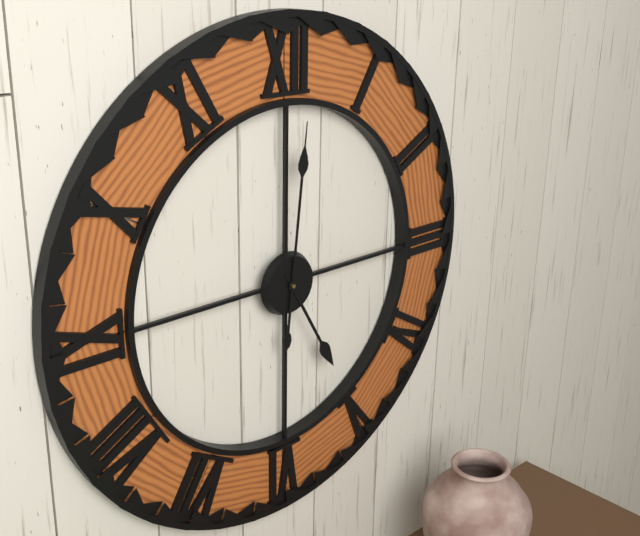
5:01
